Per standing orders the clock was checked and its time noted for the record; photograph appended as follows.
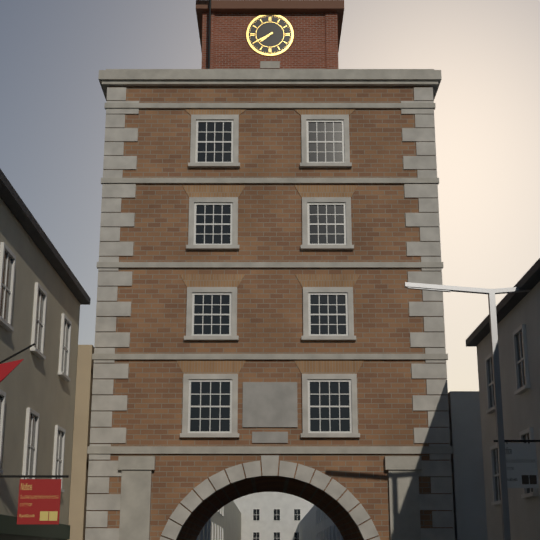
7:40
